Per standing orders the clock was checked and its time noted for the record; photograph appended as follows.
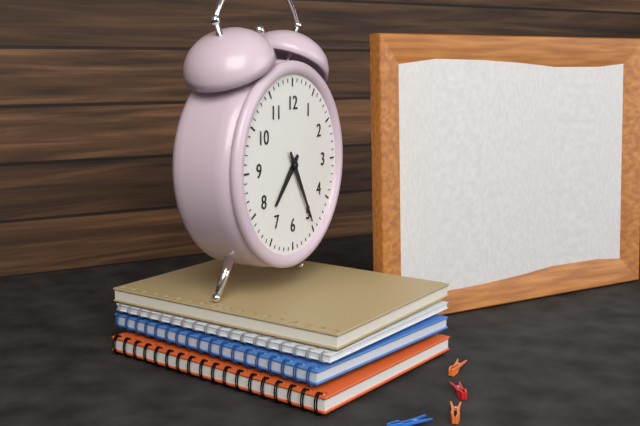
7:25
